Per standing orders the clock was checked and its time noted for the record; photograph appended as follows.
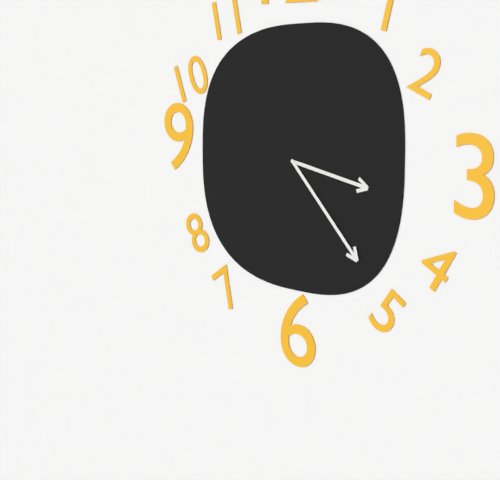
3:23
